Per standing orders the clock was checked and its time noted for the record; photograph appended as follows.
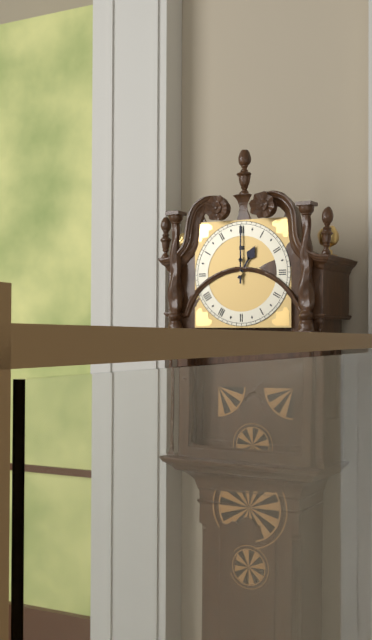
1:00
